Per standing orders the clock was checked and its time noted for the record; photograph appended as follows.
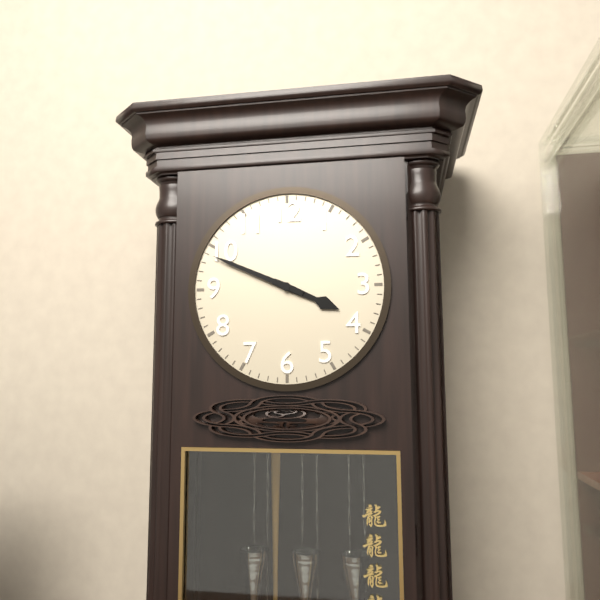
3:49
